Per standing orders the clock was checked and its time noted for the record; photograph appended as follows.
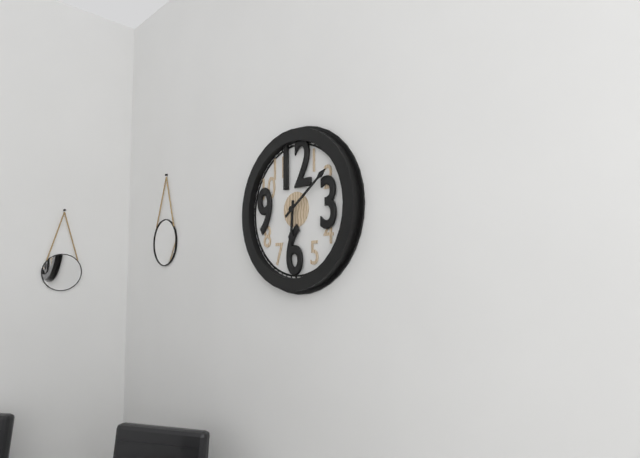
6:09
